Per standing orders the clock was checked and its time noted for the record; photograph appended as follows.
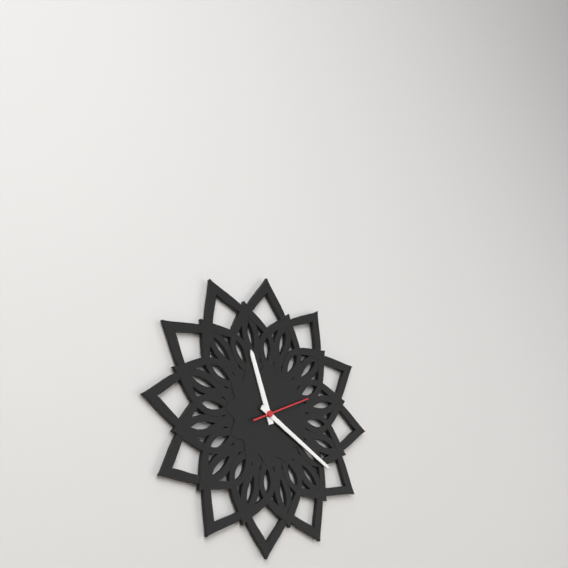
11:20:11
